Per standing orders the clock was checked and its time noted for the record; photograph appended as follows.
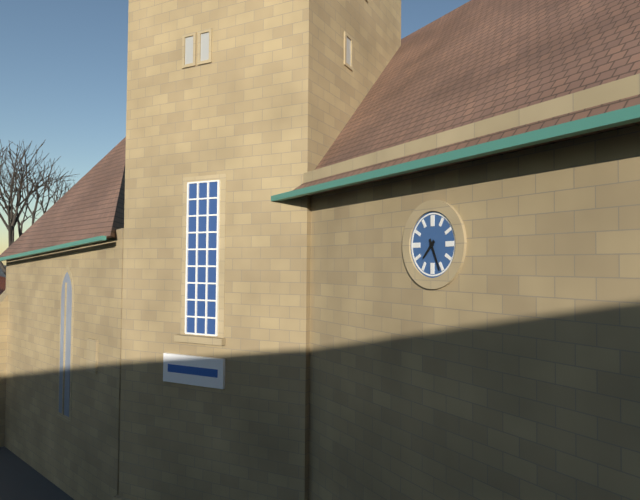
7:26
